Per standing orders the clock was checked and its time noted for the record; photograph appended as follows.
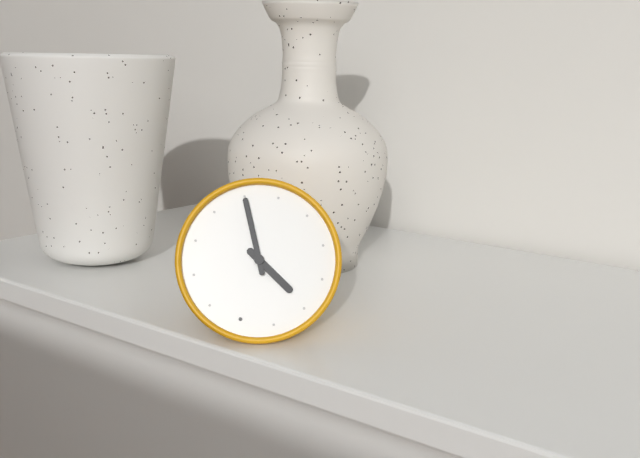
3:55
